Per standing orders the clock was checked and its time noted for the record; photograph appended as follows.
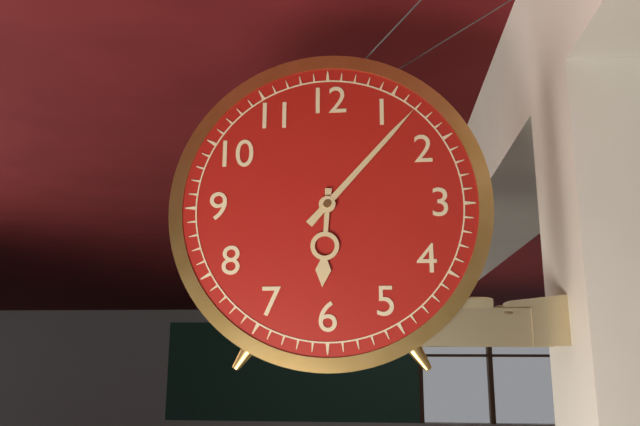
6:07
